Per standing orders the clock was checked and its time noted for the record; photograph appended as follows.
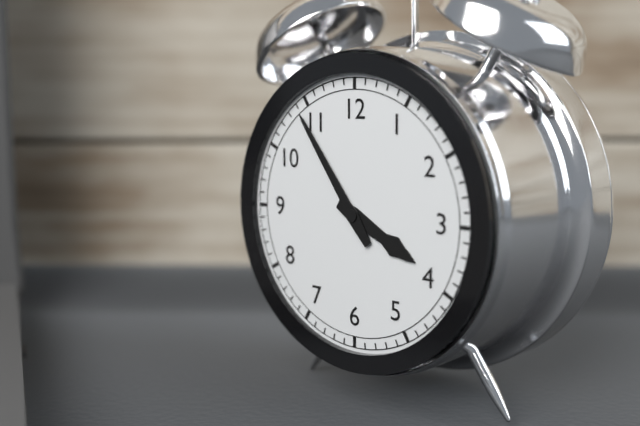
3:54
